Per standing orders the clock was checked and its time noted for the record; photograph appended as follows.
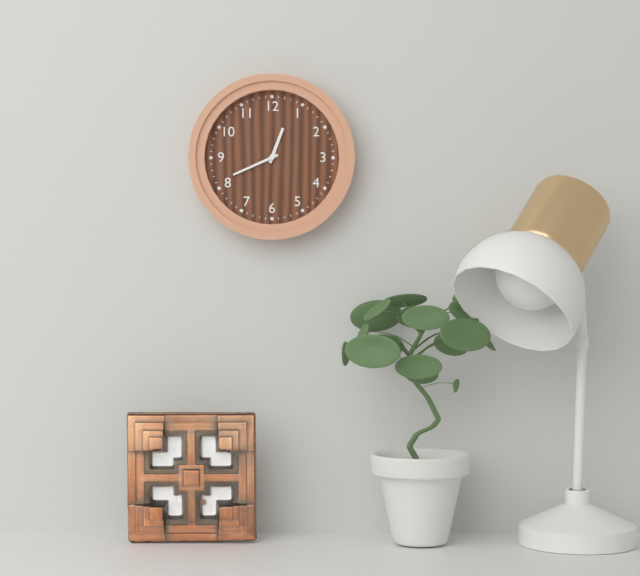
12:41
